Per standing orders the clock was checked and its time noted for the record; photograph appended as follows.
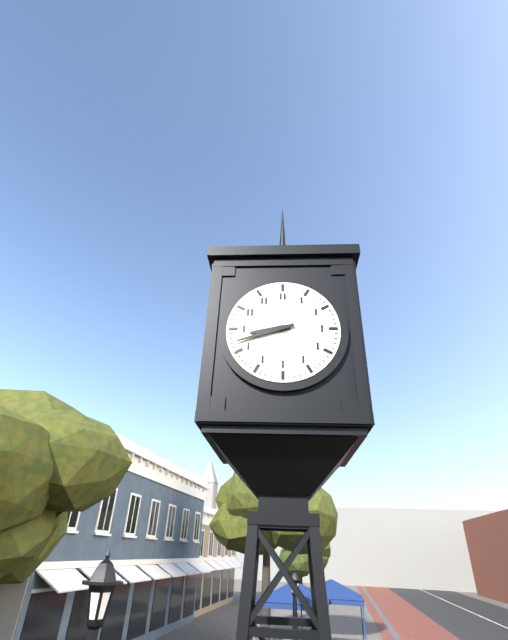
8:42
